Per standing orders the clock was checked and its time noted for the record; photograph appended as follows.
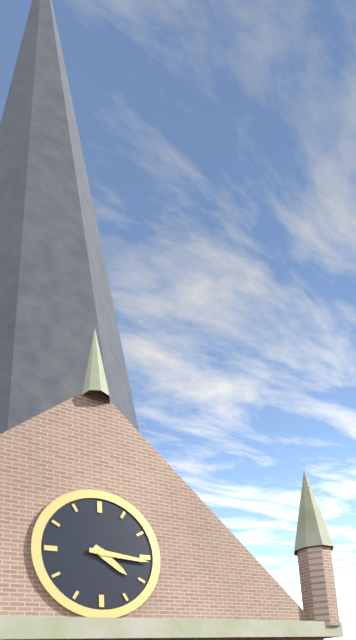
4:16
